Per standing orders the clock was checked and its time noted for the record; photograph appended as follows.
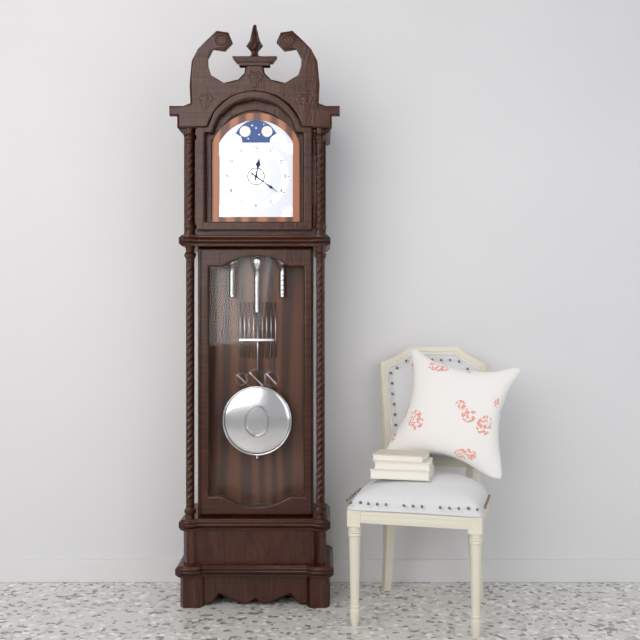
12:21
